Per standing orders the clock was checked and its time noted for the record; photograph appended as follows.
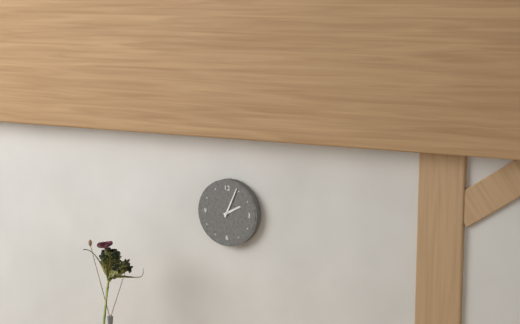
2:04
